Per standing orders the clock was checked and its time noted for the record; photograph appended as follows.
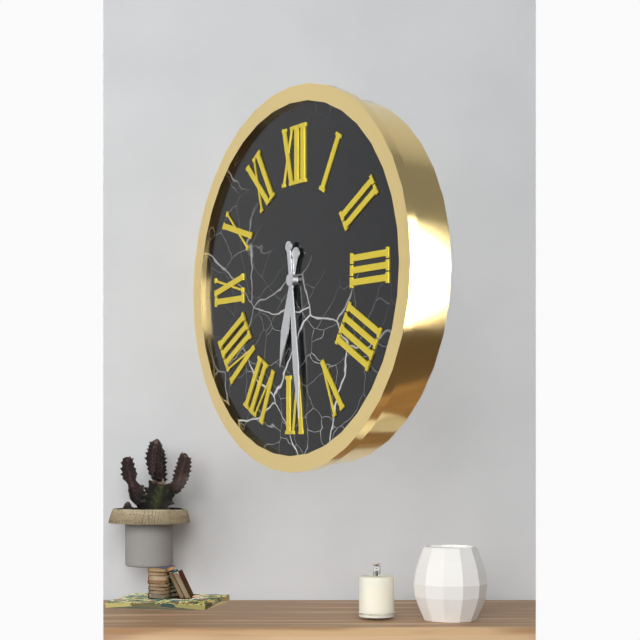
6:29
